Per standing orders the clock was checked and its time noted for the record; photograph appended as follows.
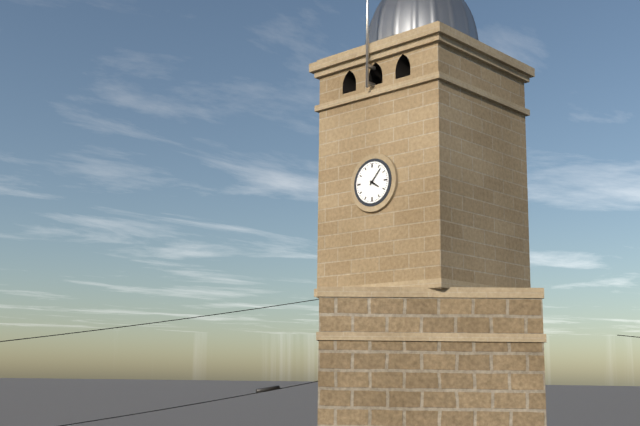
4:07
